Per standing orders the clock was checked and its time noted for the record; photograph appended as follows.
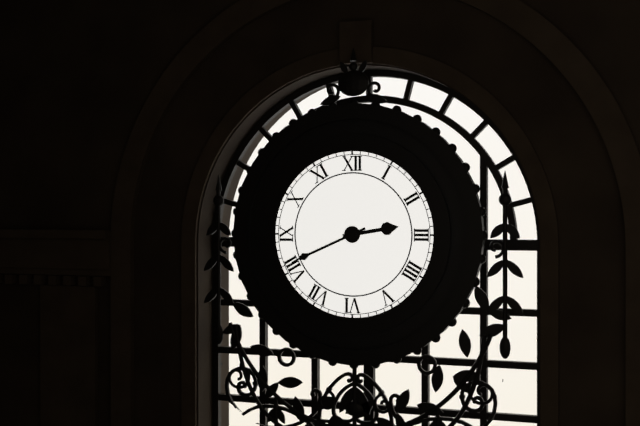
2:41
